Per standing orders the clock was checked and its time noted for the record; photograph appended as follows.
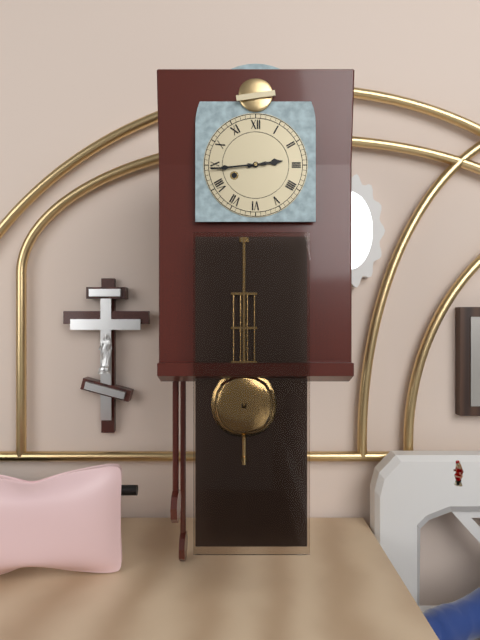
2:44
